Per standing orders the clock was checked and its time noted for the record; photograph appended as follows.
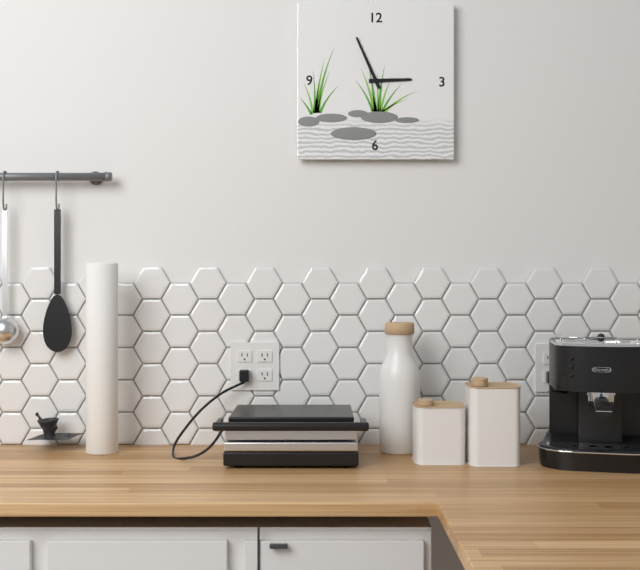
2:56
